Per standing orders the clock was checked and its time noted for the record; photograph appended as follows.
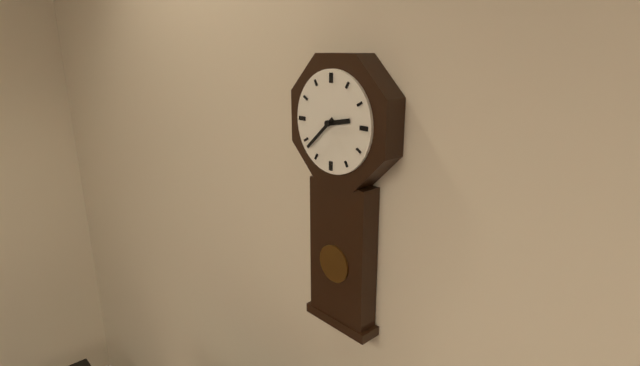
2:38
